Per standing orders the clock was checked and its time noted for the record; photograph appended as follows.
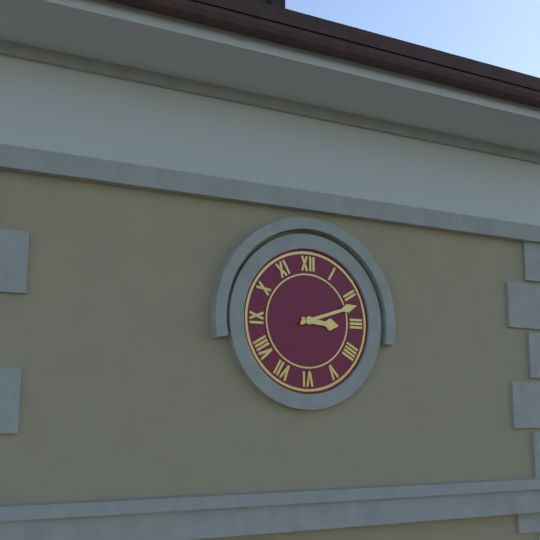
3:12
